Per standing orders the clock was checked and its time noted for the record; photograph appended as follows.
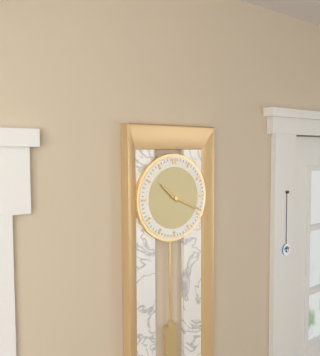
10:19
